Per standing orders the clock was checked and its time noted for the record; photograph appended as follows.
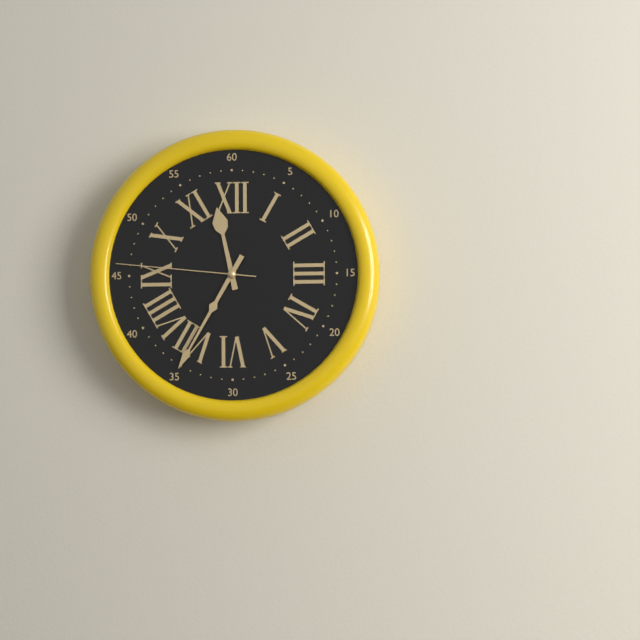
11:35:46
